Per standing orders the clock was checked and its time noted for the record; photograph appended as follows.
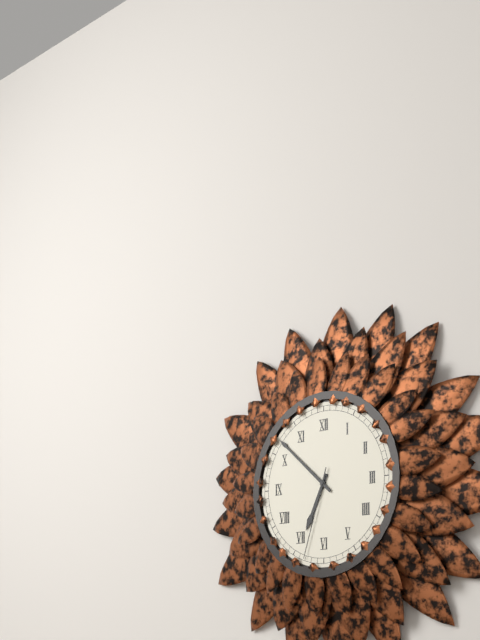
6:52:33
